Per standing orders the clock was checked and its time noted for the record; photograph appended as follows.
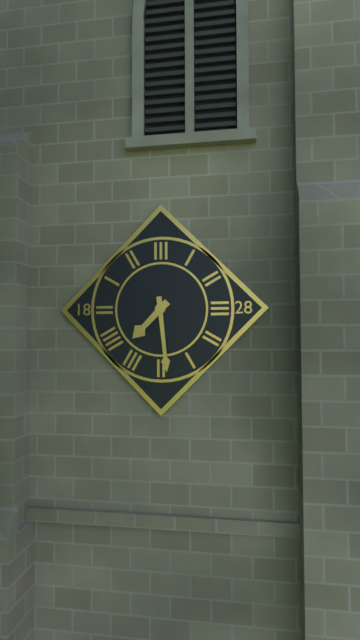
7:29
